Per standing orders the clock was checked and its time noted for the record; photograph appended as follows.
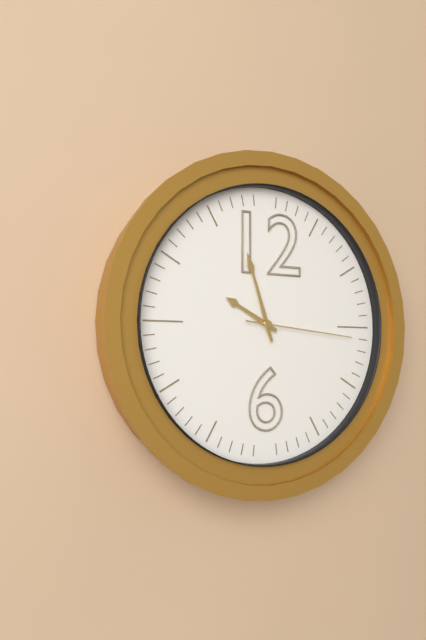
9:57:16
